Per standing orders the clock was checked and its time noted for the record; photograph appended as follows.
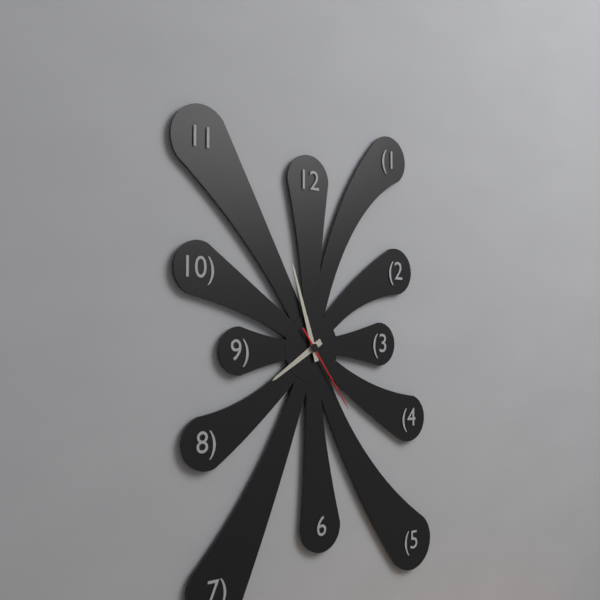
7:57:24
